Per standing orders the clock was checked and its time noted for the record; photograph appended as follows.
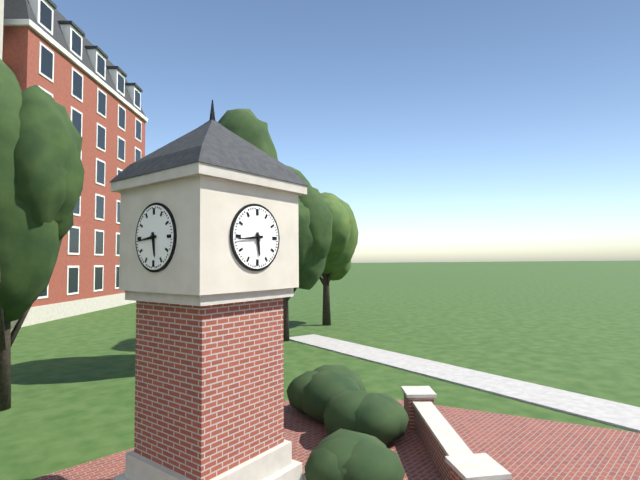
5:44
